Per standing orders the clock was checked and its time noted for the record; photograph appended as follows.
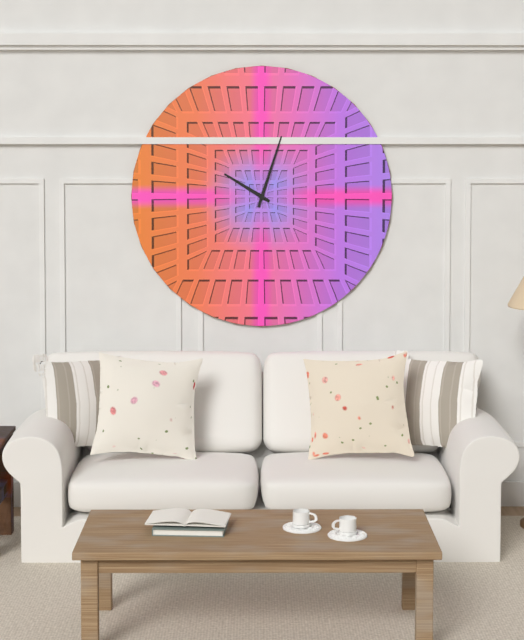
10:03
